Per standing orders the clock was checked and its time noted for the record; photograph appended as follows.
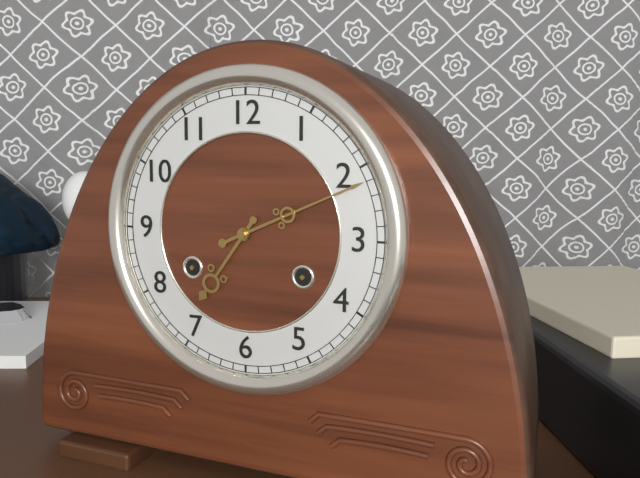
7:11
